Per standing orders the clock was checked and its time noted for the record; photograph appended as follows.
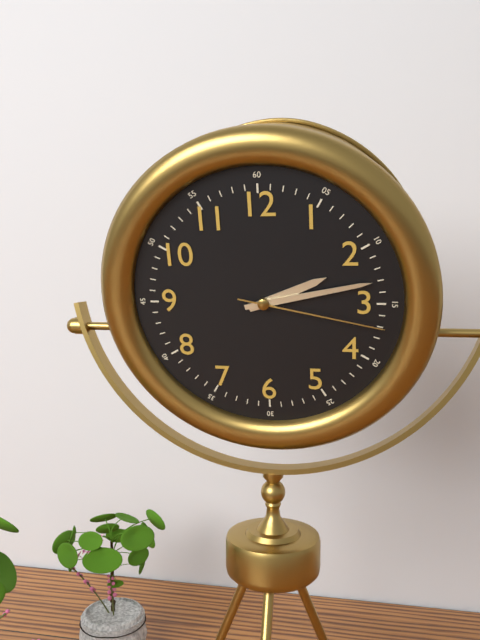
2:13:17
